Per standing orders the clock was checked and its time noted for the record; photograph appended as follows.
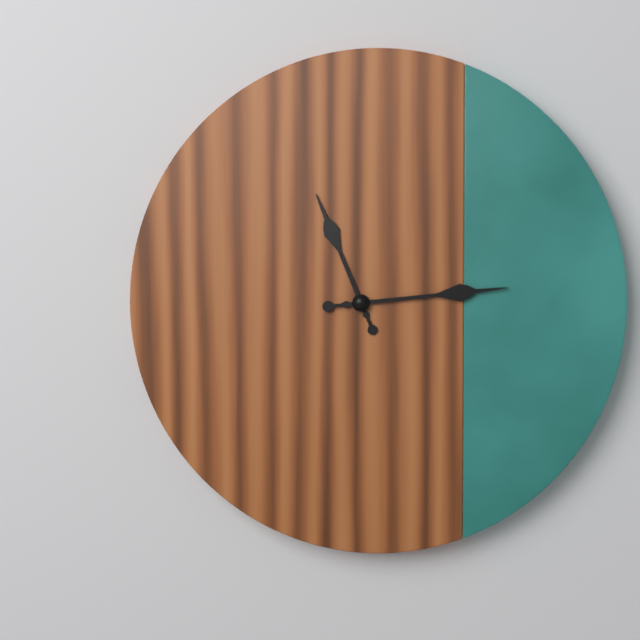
11:14
